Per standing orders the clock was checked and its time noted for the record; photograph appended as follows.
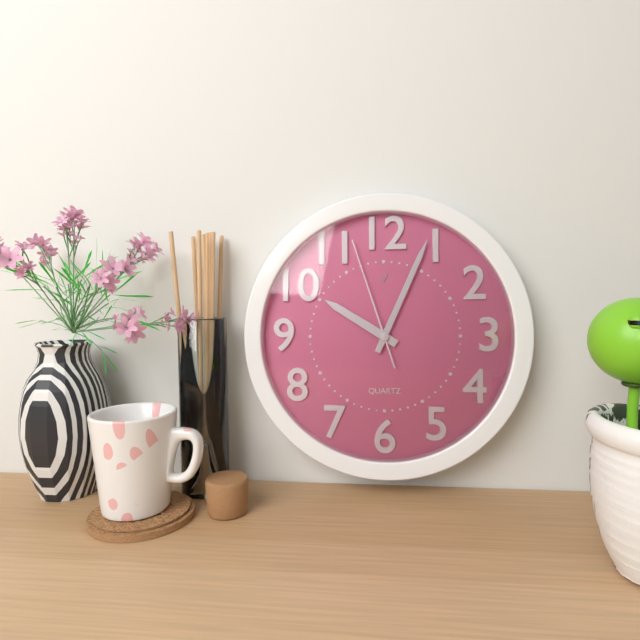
10:04:57
